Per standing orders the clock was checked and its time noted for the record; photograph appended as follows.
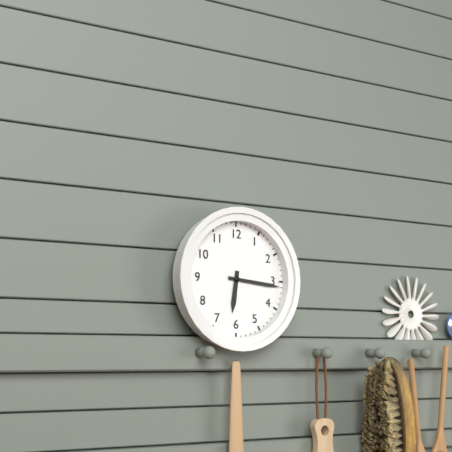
6:16
